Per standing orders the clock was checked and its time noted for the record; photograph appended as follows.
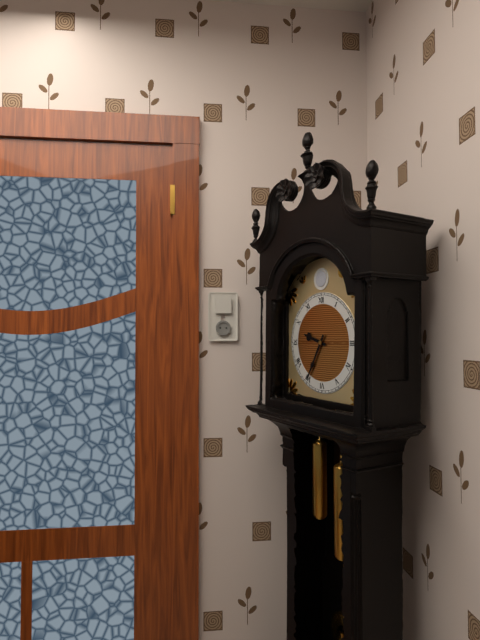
9:35
